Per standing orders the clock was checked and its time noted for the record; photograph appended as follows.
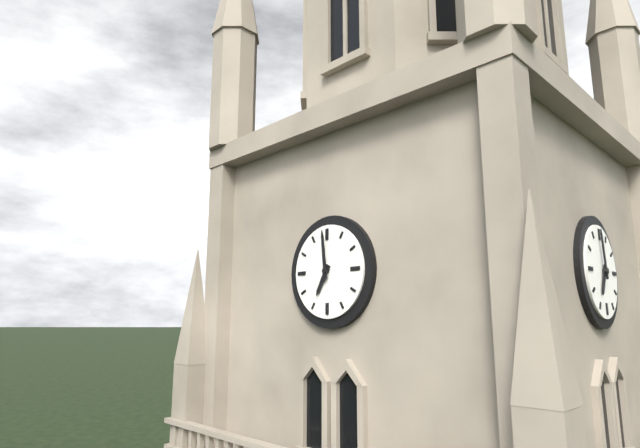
6:59
